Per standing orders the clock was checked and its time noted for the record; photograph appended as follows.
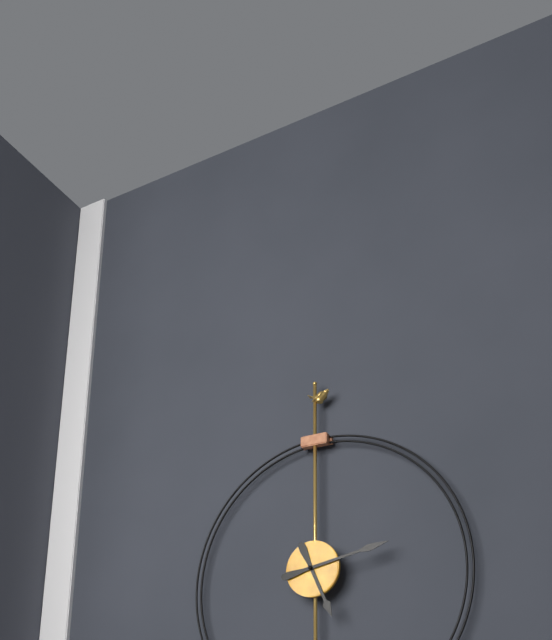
5:13
